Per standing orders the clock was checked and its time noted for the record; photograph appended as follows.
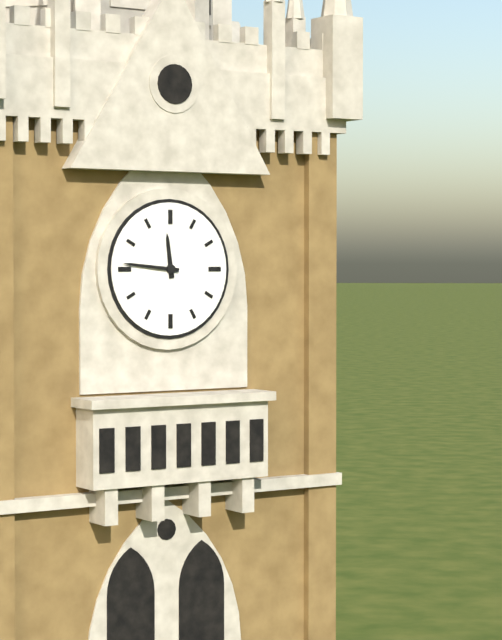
11:46
